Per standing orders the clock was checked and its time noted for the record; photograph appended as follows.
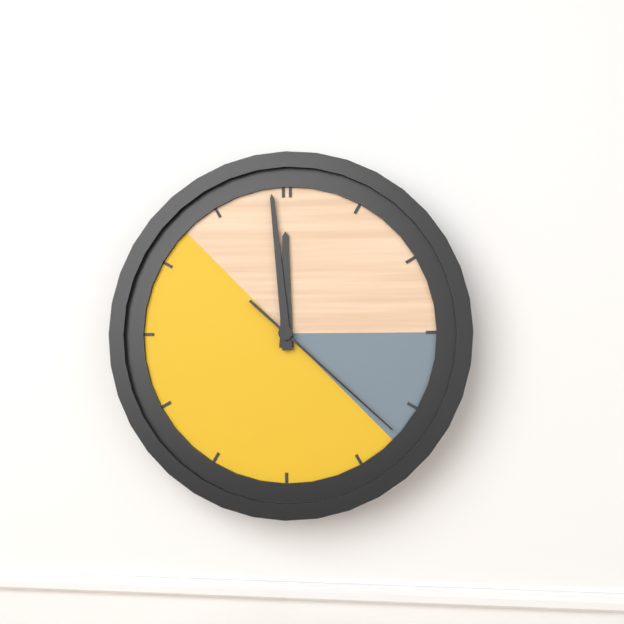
11:59:22
